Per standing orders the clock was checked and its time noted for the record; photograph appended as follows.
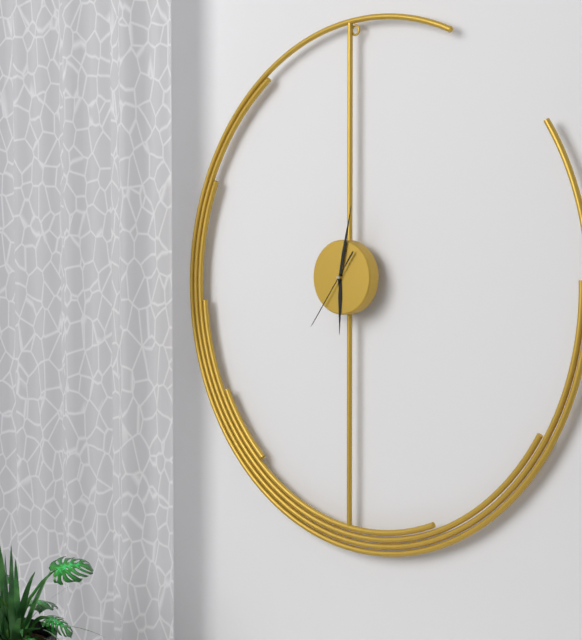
6:02:36
